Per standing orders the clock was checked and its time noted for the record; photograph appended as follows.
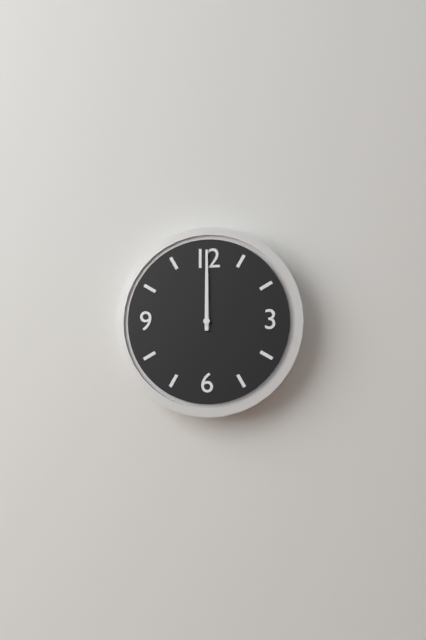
12:00
